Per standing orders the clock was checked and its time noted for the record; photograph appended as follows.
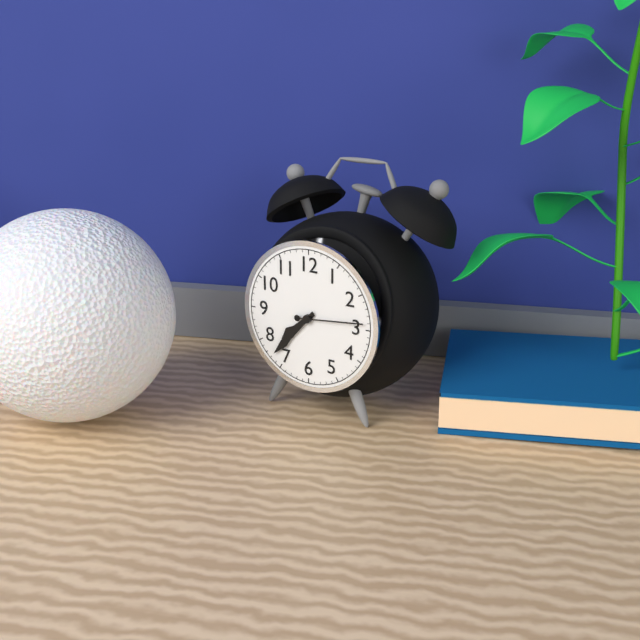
7:37:14
